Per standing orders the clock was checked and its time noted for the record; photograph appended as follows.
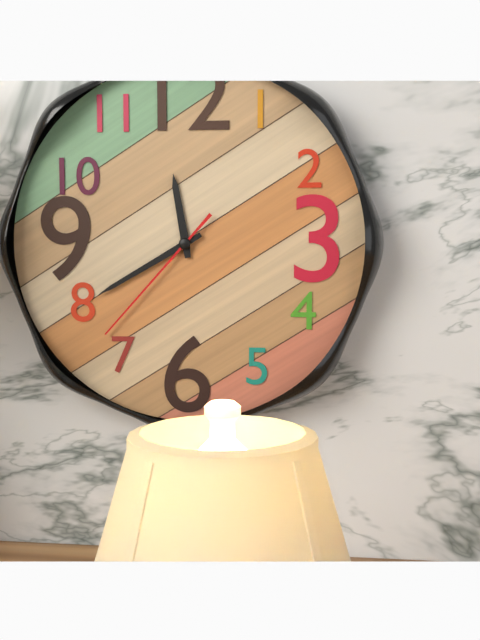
11:40:37
